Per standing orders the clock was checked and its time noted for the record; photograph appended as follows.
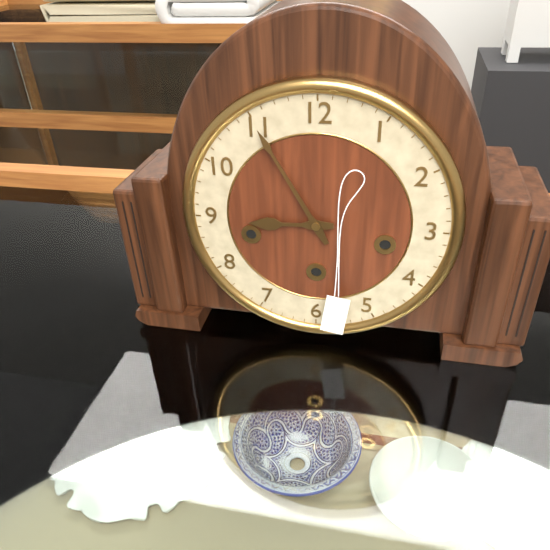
8:55
